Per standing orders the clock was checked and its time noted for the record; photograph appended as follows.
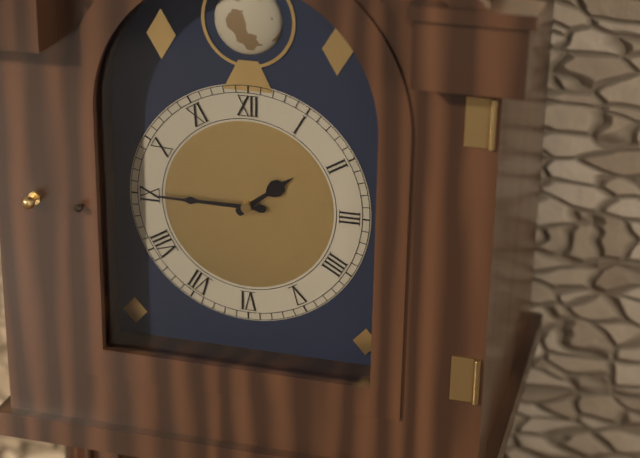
1:45
